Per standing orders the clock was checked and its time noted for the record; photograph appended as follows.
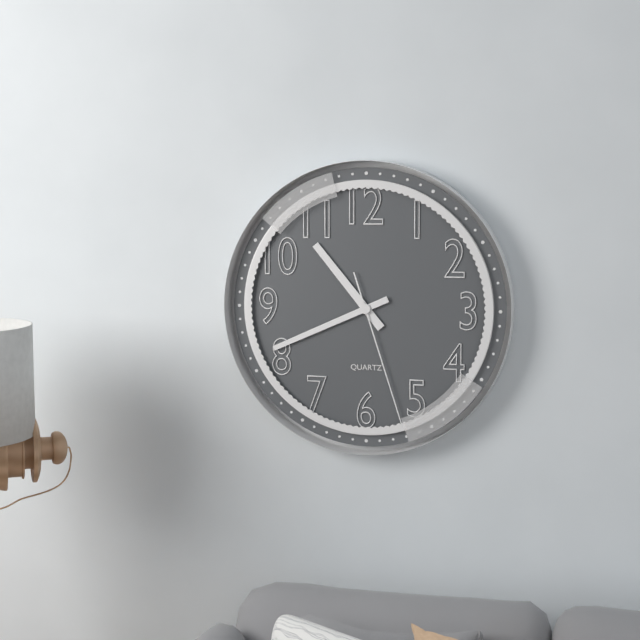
10:41:27
